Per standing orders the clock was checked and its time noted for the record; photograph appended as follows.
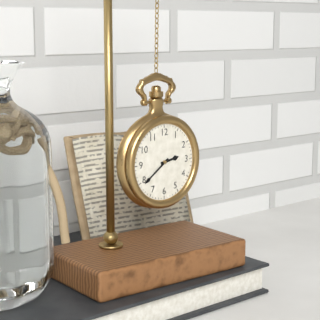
2:39
